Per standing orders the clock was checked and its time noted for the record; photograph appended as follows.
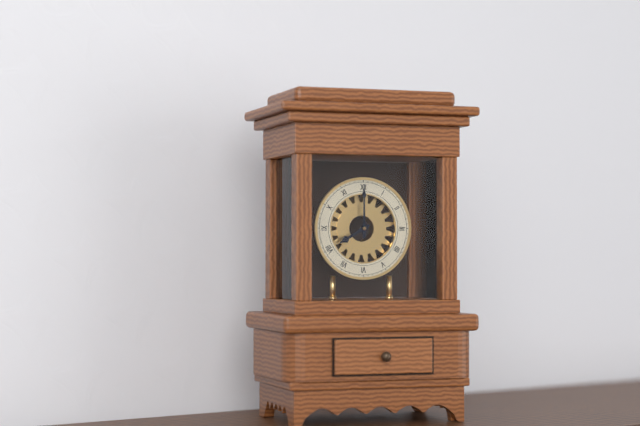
8:00
